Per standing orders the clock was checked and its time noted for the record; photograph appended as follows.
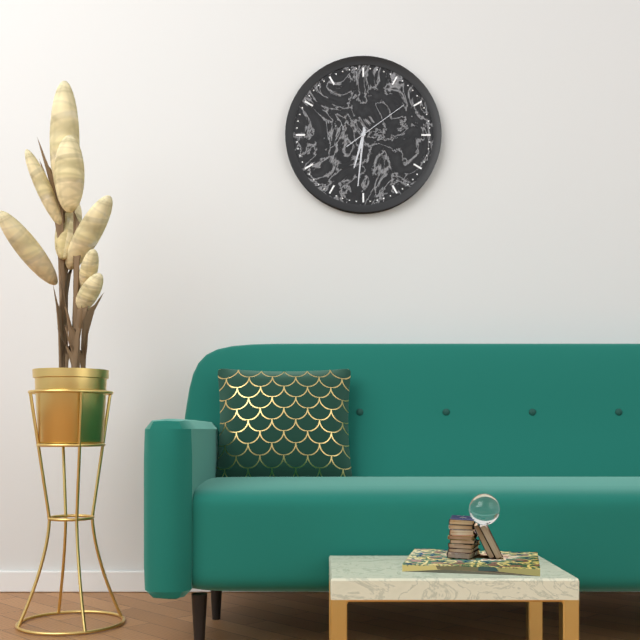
6:31:09
